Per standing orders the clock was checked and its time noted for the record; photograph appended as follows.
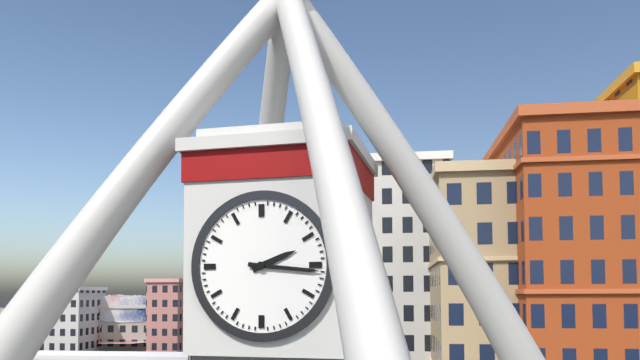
2:16
